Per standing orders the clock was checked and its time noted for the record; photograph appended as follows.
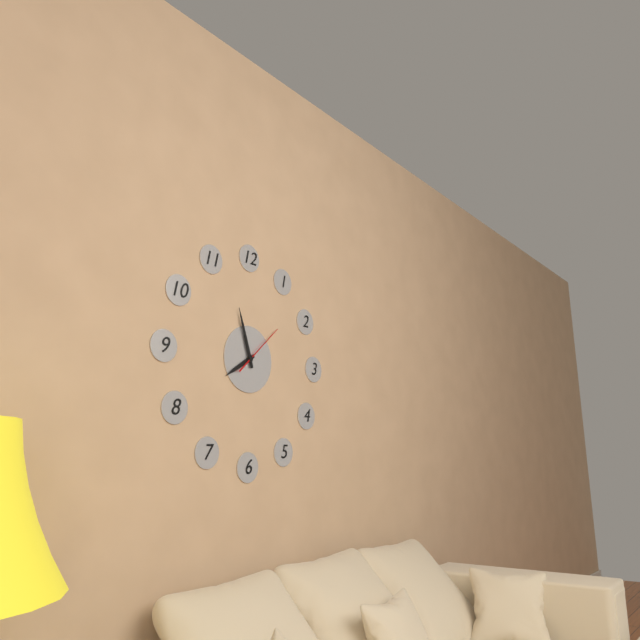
7:57:08
